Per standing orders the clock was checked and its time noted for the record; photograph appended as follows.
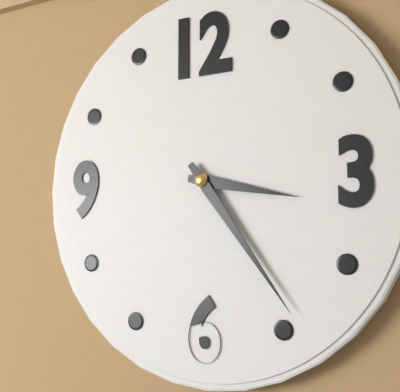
3:24
